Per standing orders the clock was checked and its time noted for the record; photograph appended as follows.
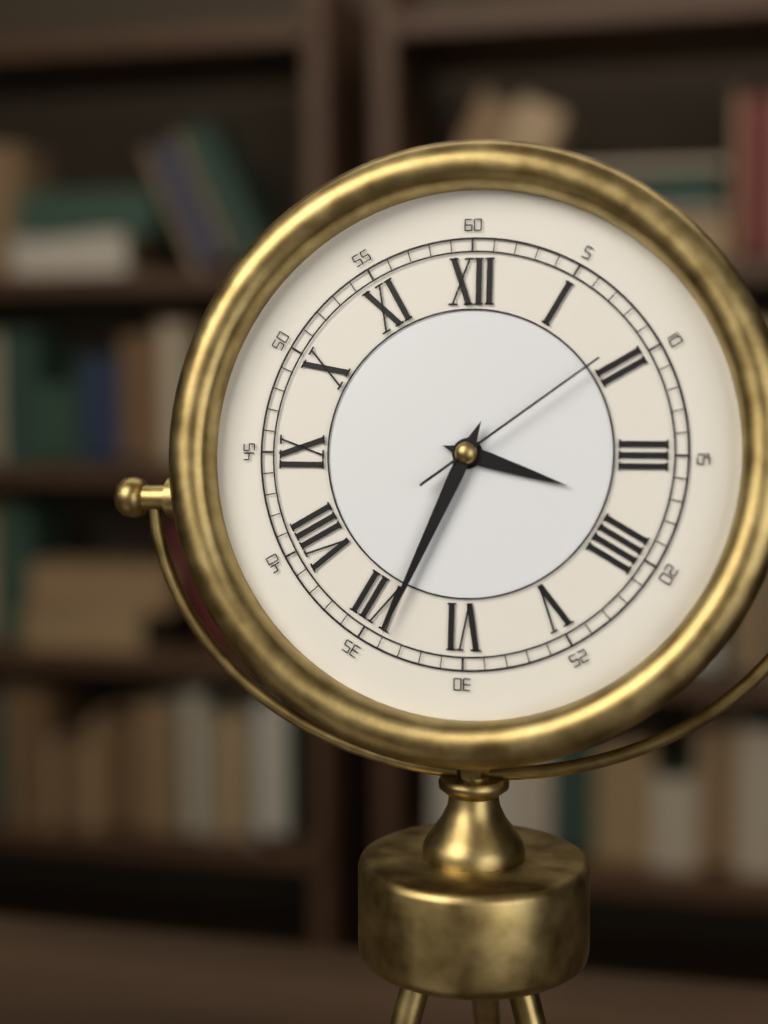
3:34:09
